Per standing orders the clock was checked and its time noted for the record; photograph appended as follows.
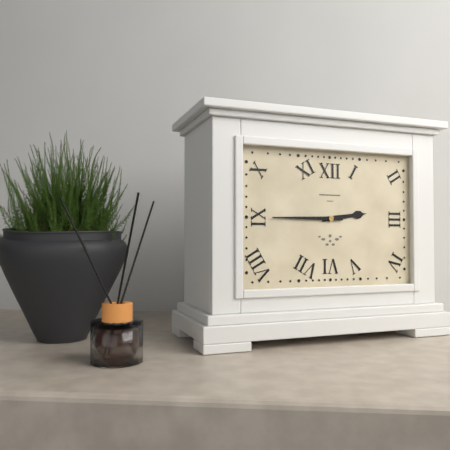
2:45
